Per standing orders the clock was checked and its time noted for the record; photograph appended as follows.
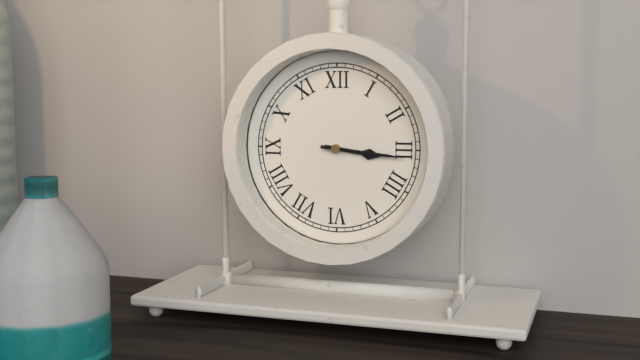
3:16
